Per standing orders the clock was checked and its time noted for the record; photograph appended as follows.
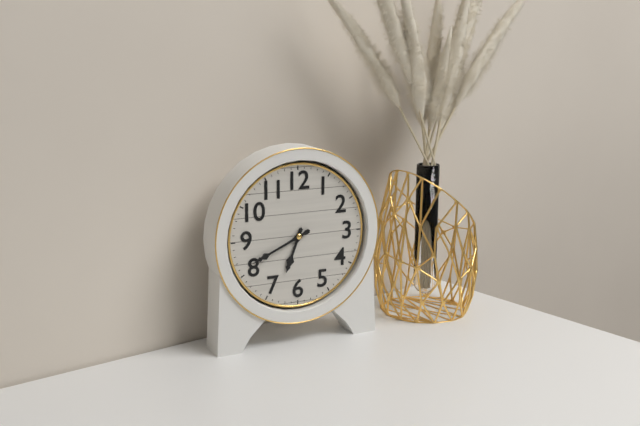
6:41
